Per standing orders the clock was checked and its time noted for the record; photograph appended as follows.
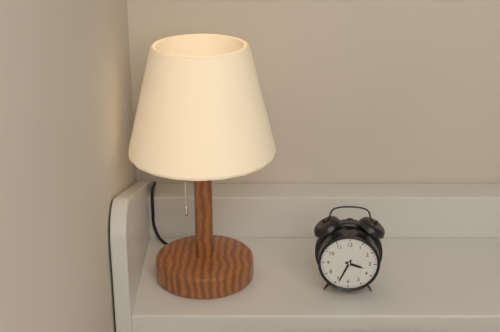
3:34
